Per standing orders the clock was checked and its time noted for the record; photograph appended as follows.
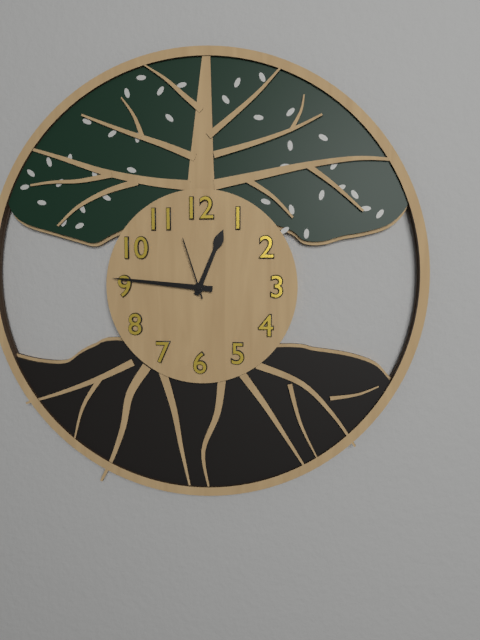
12:46:57
